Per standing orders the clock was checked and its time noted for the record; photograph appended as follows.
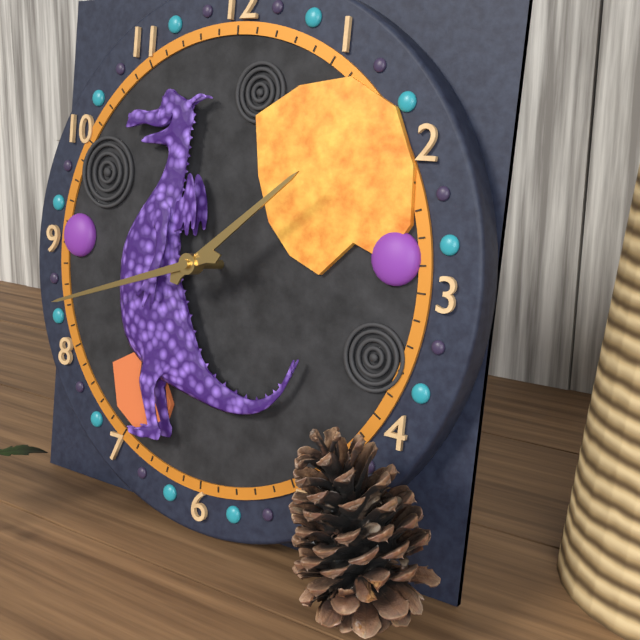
1:42
